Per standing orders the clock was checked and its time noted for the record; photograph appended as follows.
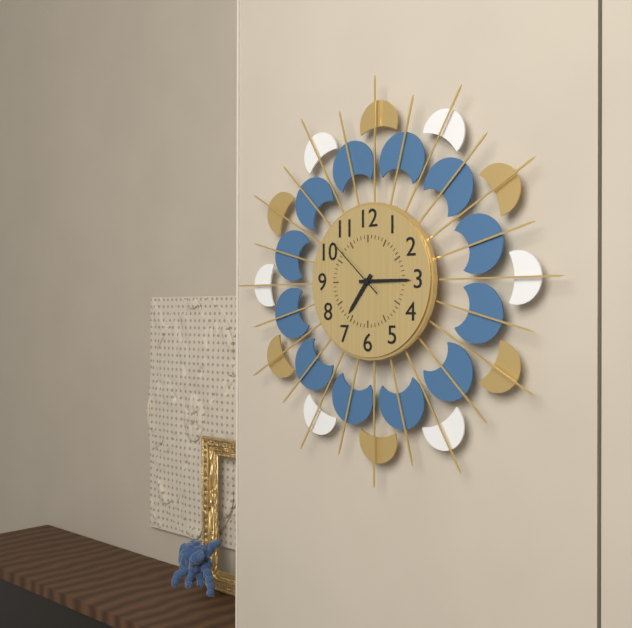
7:15:52
